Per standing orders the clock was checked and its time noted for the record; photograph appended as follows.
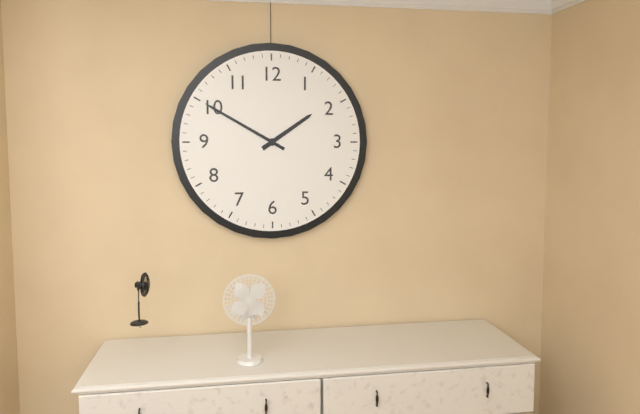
1:50
